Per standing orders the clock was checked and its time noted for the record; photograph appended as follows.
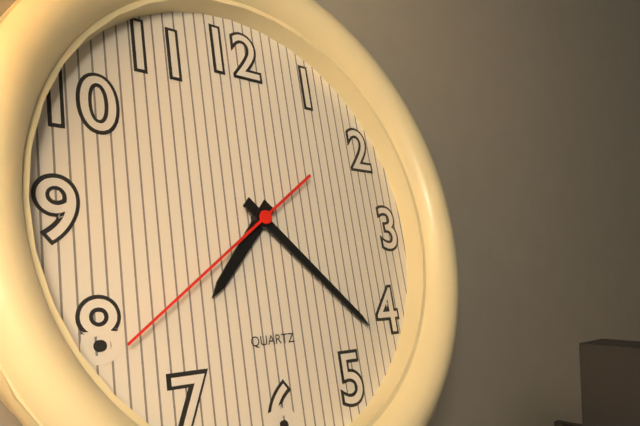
7:22:39
